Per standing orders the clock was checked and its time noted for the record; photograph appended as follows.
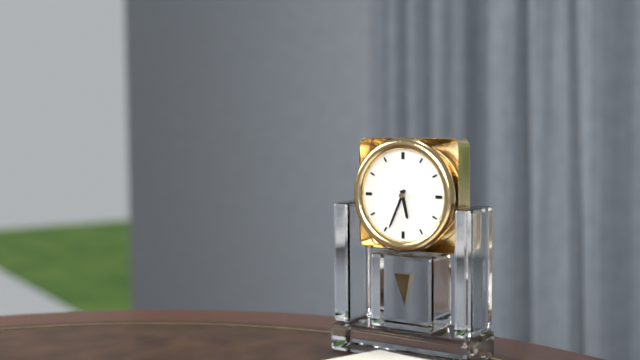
5:34
